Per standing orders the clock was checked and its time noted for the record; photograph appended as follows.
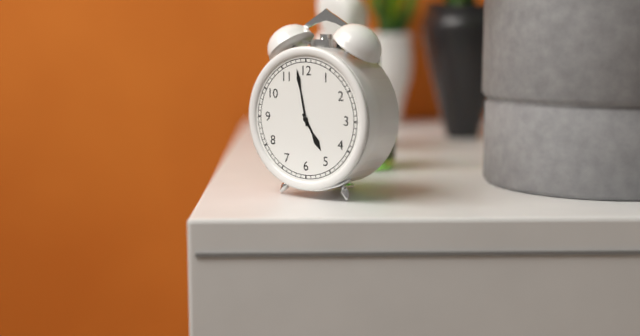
4:58
